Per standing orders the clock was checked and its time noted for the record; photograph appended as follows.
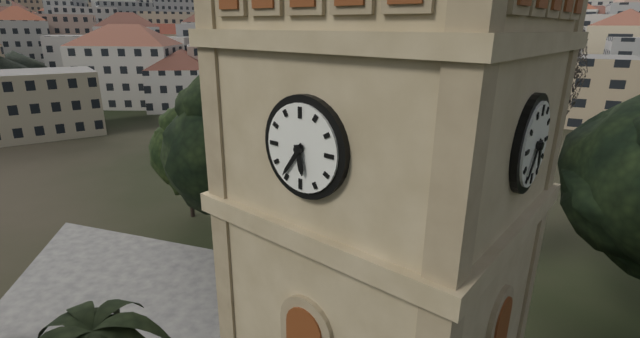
5:36
